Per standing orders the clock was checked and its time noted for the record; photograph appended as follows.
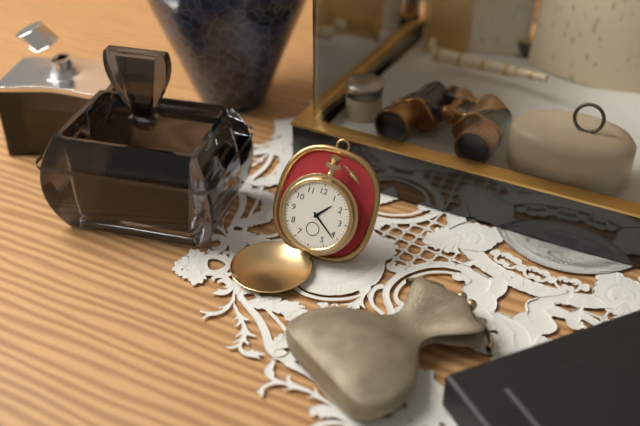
1:21
